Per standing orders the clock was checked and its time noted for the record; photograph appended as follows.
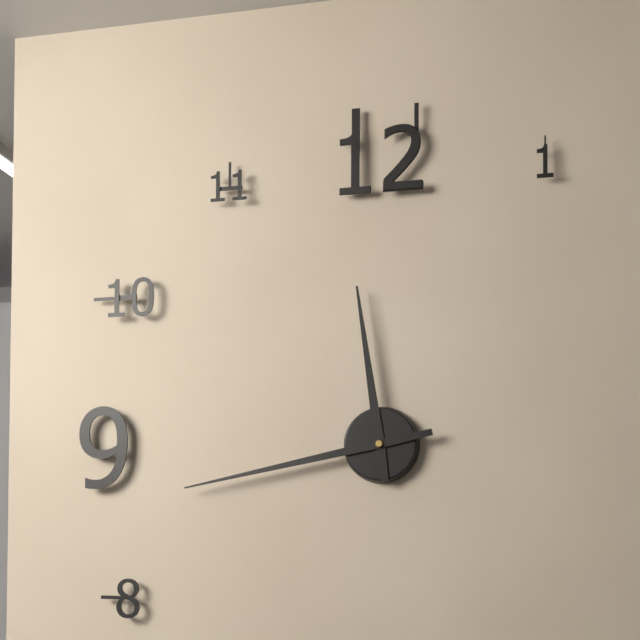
11:43
